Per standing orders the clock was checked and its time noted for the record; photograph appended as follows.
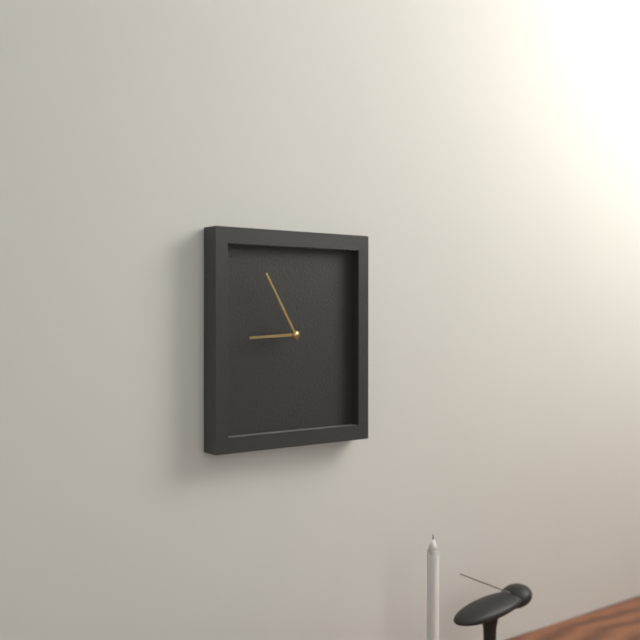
8:55
